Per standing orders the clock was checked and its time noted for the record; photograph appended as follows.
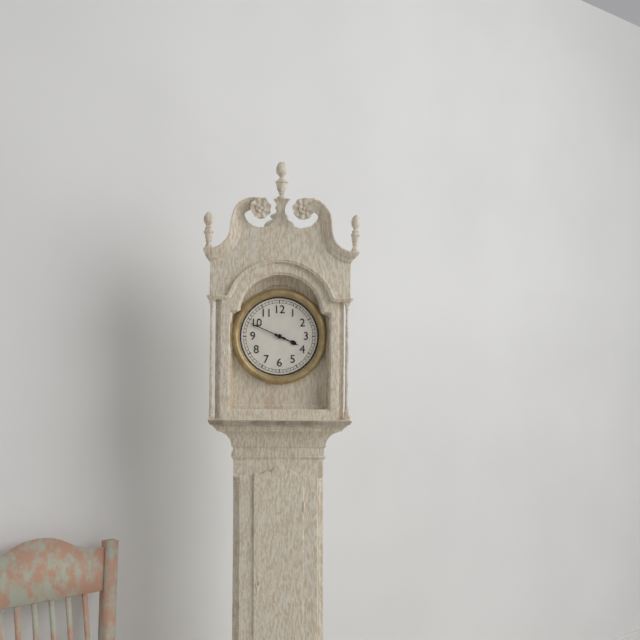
3:49
